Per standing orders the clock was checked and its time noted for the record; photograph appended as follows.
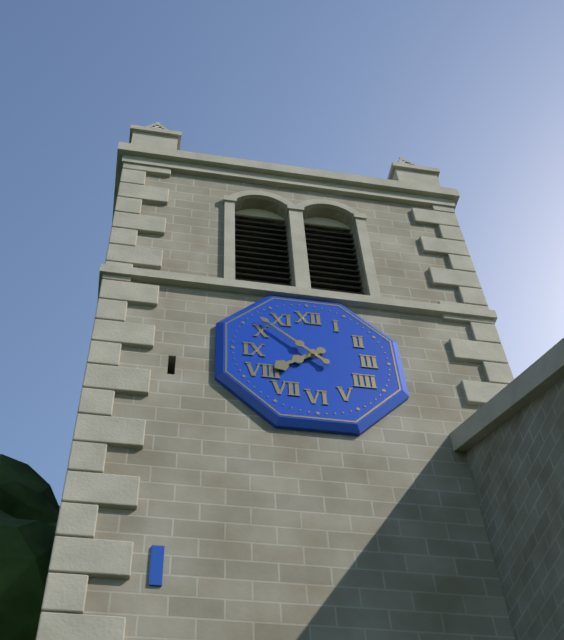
7:52
